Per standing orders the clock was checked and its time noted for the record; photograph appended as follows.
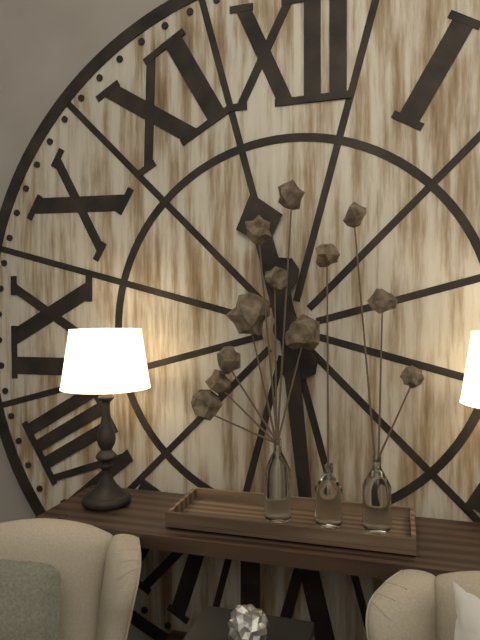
11:29
